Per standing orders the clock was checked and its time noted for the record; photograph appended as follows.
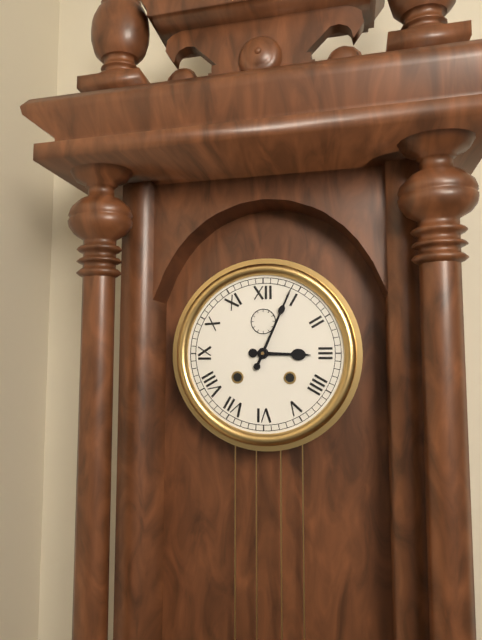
3:04
